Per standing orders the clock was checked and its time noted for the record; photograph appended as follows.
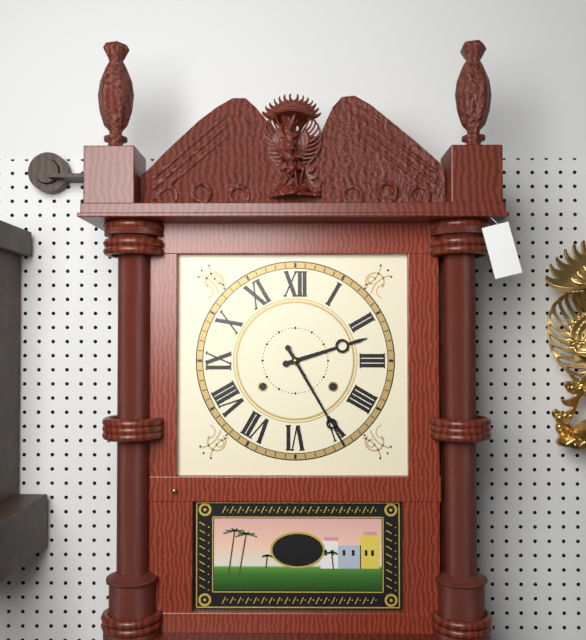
2:25
